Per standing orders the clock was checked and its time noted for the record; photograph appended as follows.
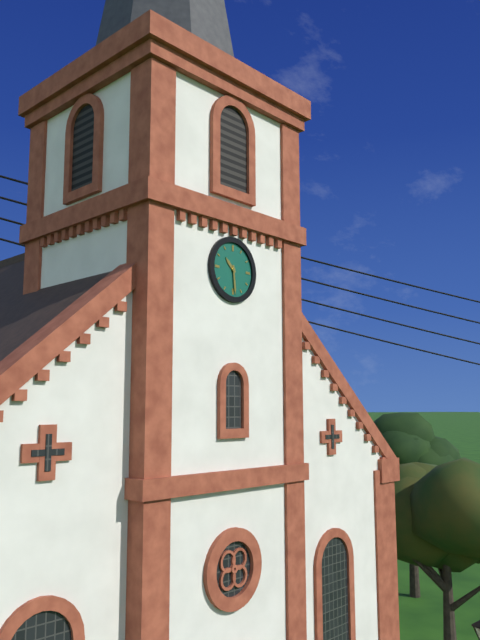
10:29
